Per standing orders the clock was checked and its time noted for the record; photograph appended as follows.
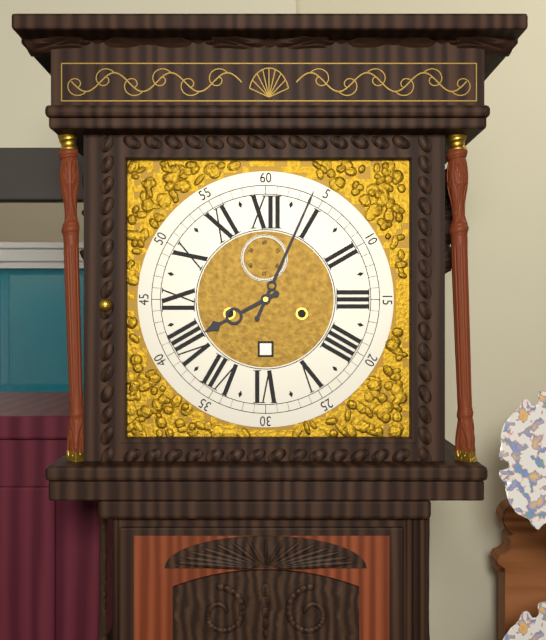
8:04
